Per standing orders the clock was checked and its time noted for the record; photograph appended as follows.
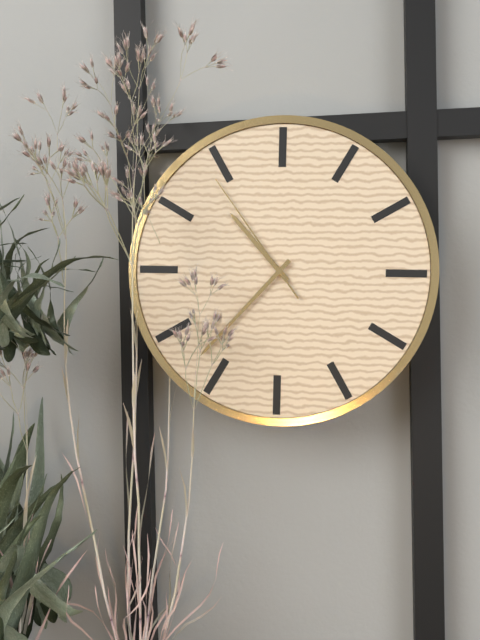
10:37:54
